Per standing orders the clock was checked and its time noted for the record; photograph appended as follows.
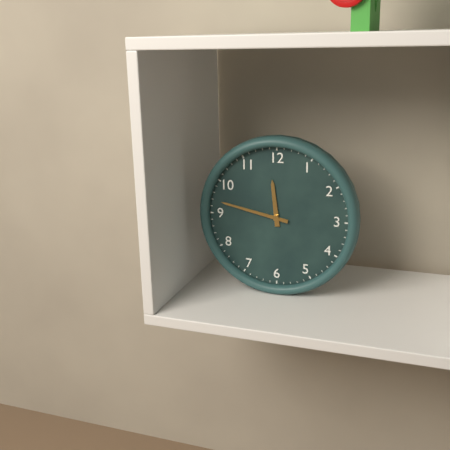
11:47
